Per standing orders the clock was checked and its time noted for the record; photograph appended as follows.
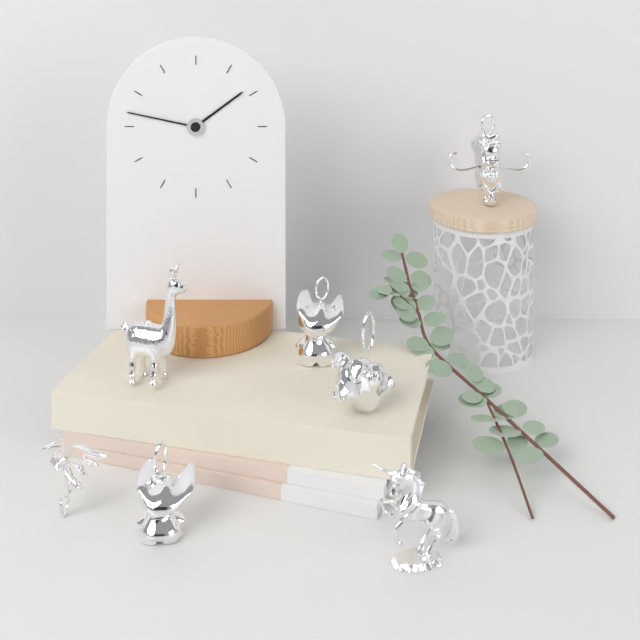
1:47
